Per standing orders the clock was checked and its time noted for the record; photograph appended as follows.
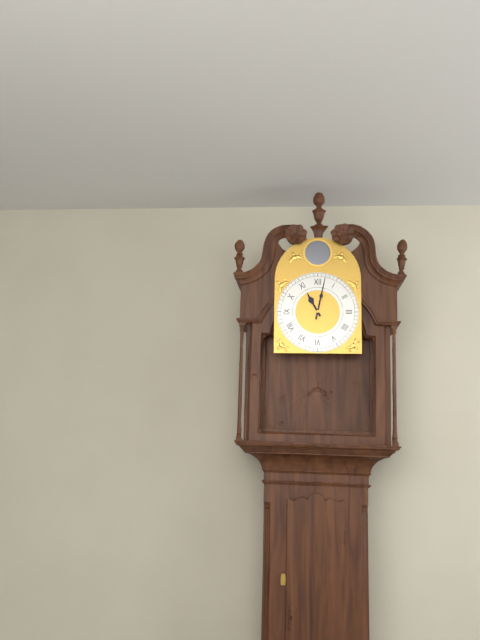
11:02
